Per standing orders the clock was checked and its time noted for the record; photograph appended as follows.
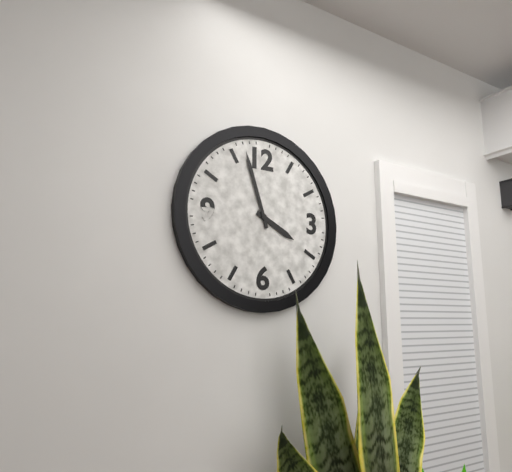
3:57
